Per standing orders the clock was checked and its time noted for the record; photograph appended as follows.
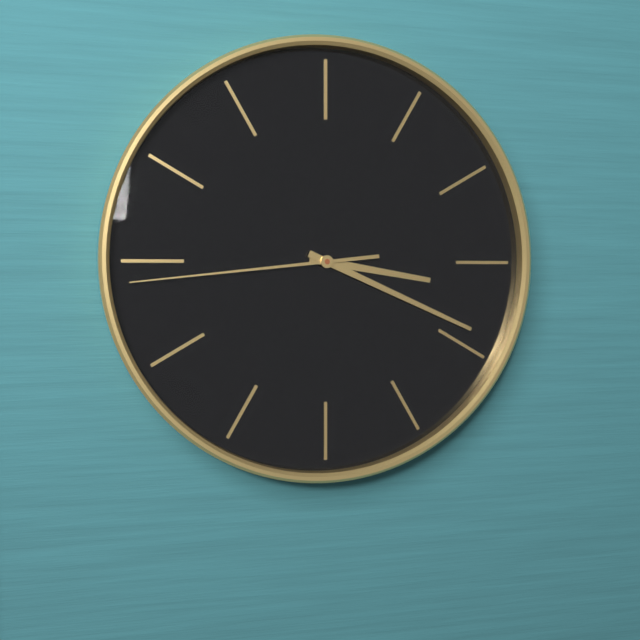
3:19:44
